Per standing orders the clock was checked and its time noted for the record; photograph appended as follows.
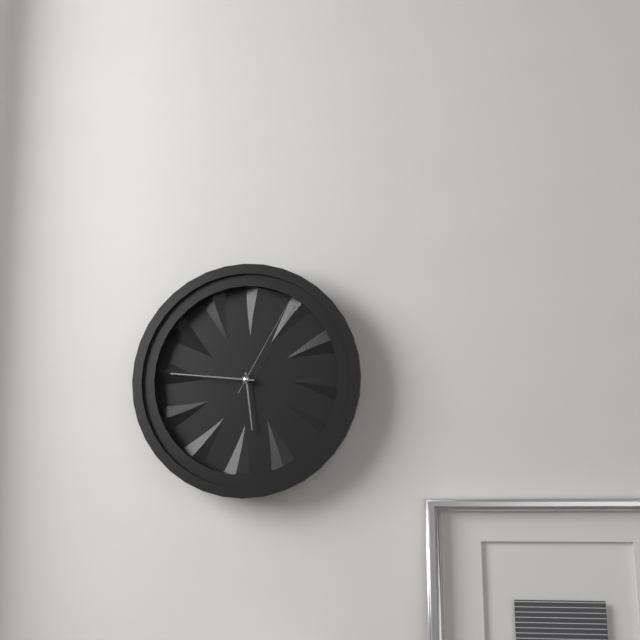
5:46:05
